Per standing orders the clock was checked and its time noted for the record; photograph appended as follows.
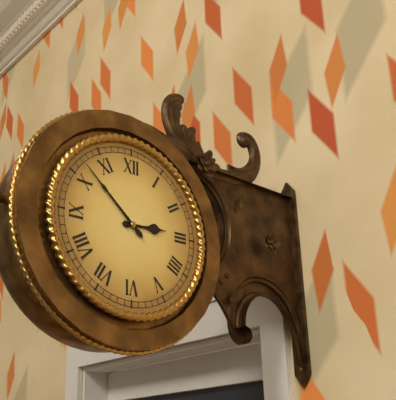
2:52
